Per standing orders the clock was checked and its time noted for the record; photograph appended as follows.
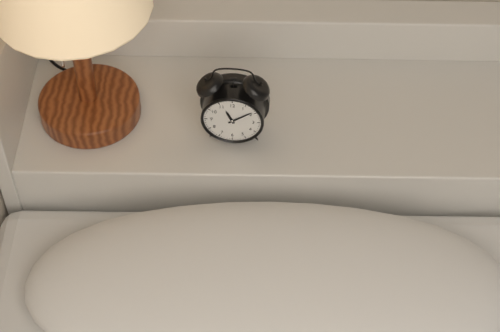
11:09
